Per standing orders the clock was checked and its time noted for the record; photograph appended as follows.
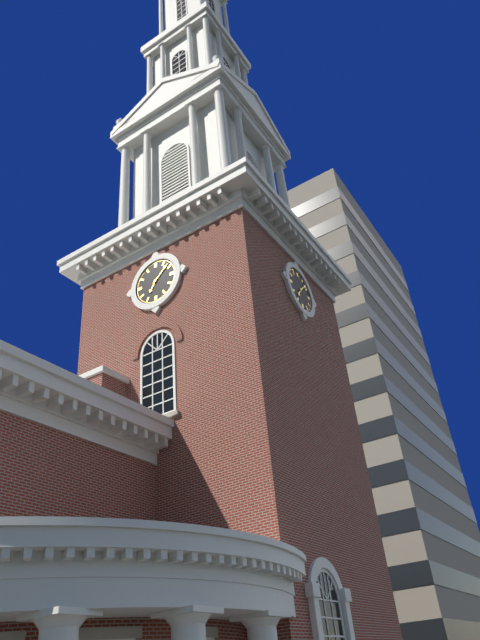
7:08
